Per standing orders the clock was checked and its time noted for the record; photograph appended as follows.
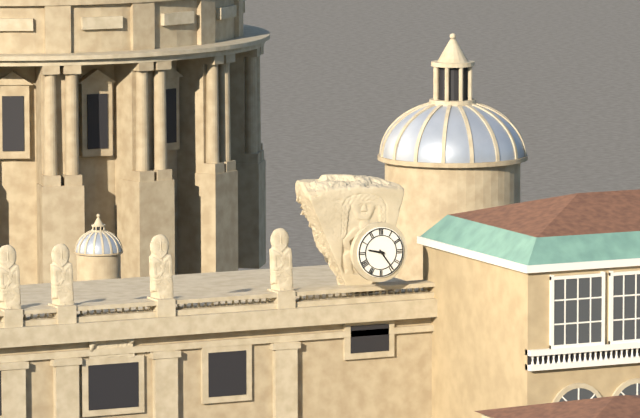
9:24
